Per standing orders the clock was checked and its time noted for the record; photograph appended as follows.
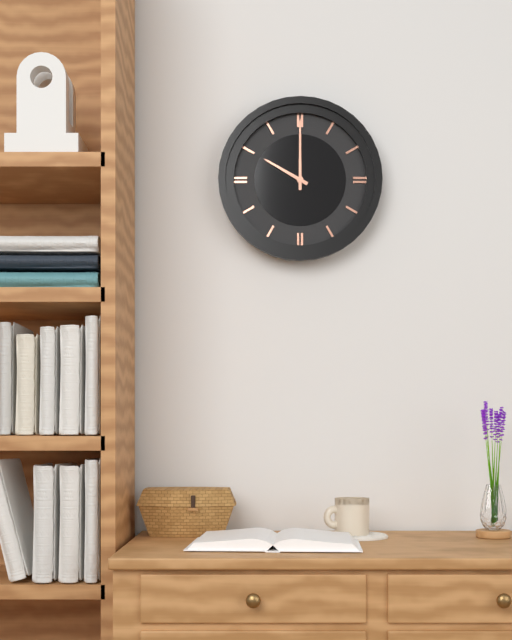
10:00
